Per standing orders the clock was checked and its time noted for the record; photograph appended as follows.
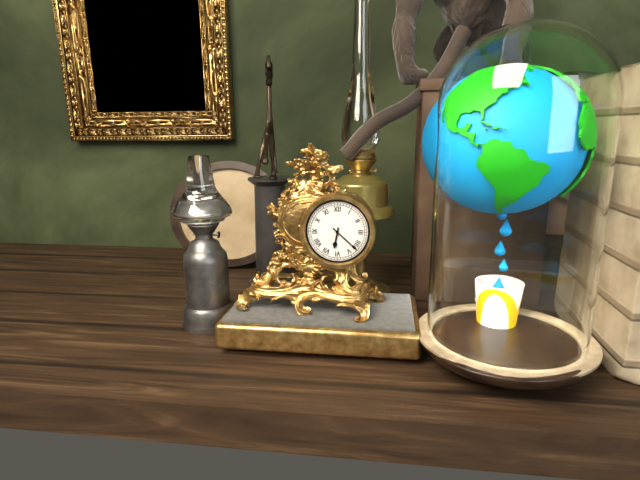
6:22
